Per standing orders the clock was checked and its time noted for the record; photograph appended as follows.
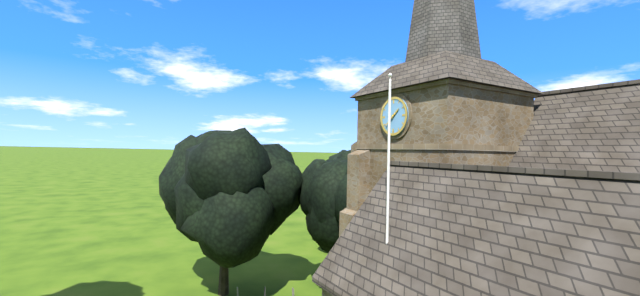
1:38
